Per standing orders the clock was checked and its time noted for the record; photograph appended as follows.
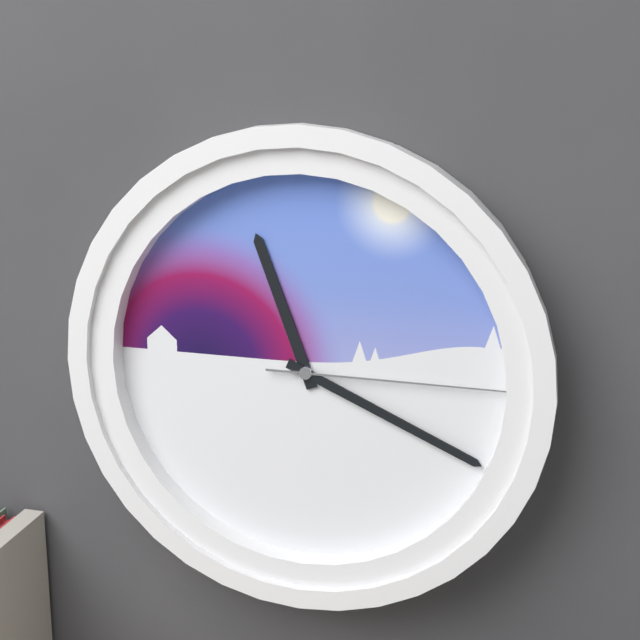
11:19:15
